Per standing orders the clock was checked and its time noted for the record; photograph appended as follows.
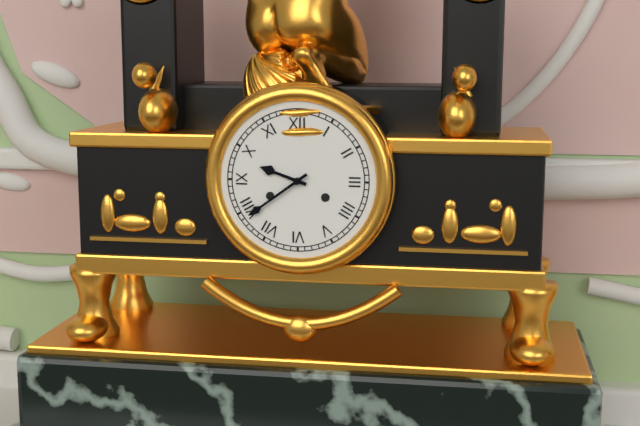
9:39
